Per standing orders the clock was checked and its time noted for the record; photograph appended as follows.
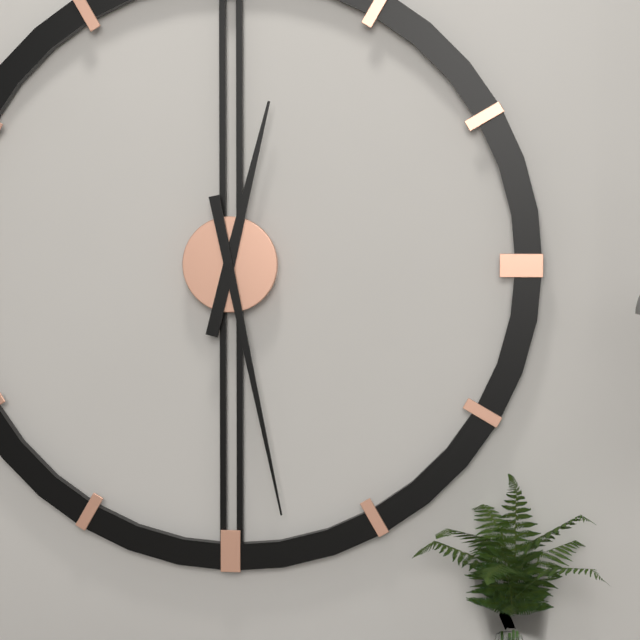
12:28
